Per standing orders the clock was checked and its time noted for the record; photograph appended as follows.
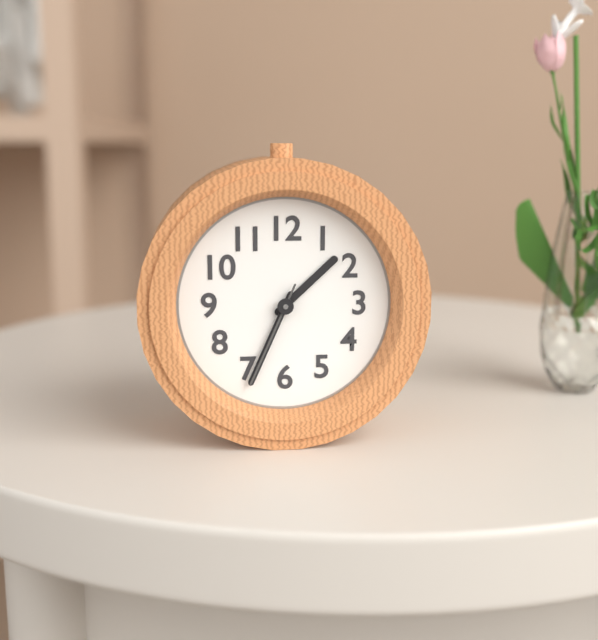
1:34:34
